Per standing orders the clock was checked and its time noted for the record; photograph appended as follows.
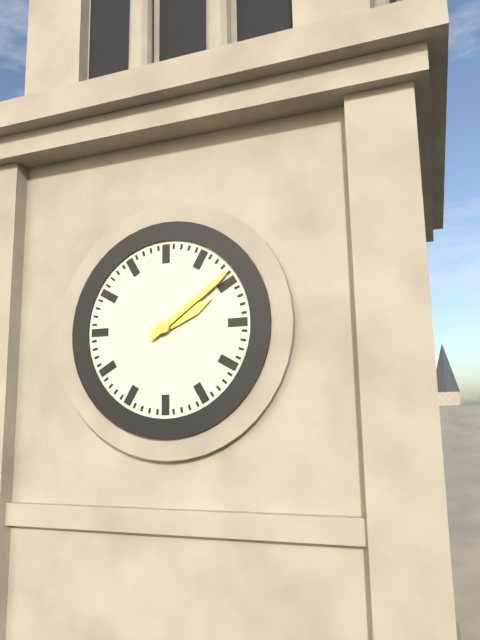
2:09
